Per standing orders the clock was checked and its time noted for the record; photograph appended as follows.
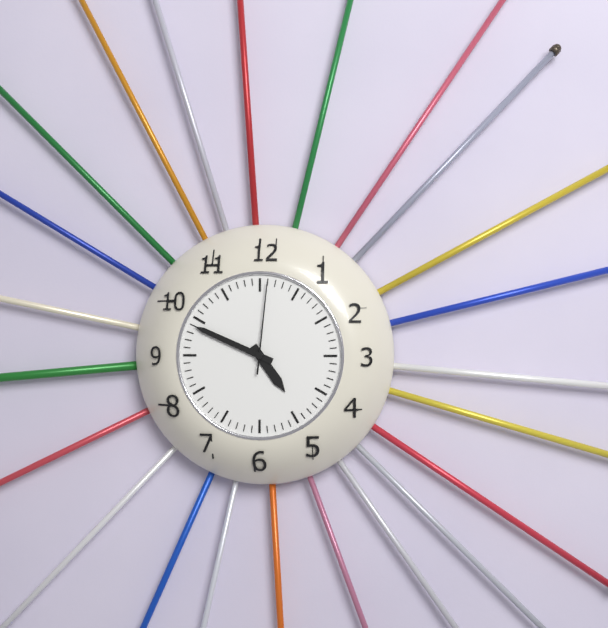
4:49:01
